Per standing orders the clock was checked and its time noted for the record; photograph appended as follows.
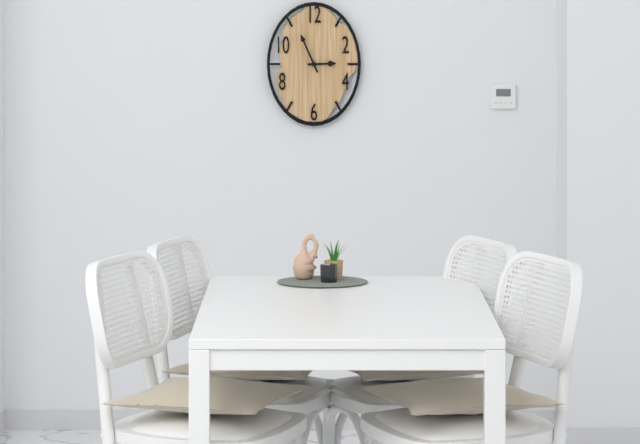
2:56
